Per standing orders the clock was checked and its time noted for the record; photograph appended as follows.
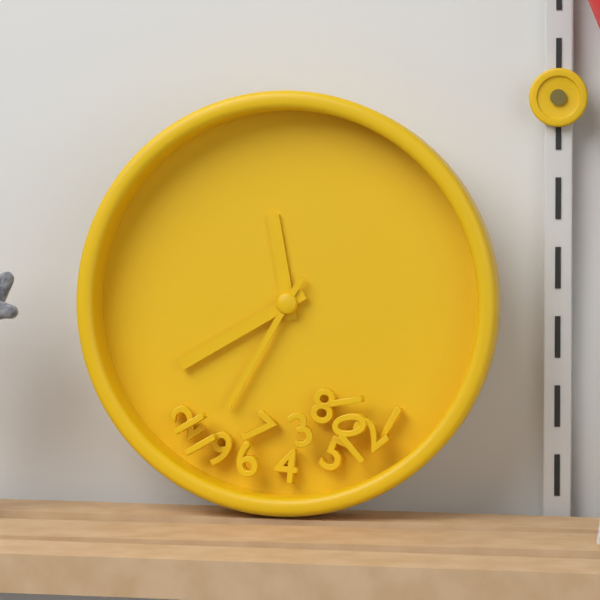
11:40:35
